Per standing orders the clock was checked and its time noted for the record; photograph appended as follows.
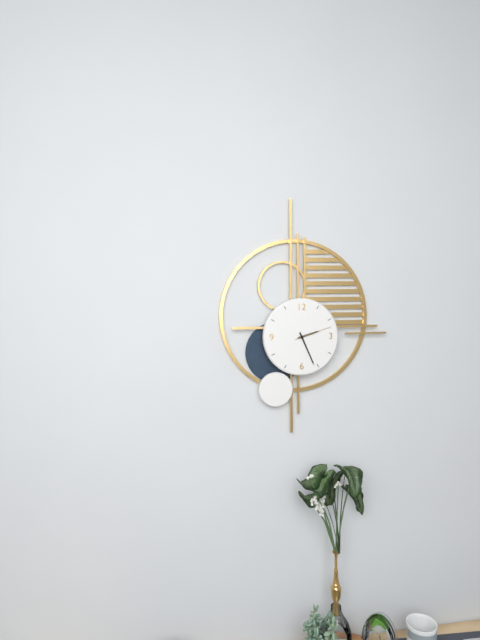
2:26
